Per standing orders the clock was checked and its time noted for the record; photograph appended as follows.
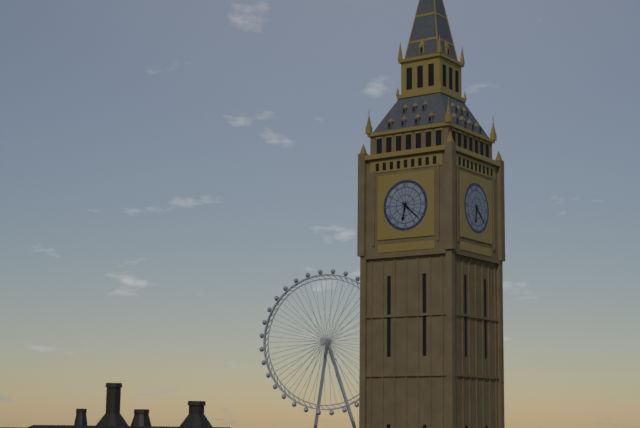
6:22
